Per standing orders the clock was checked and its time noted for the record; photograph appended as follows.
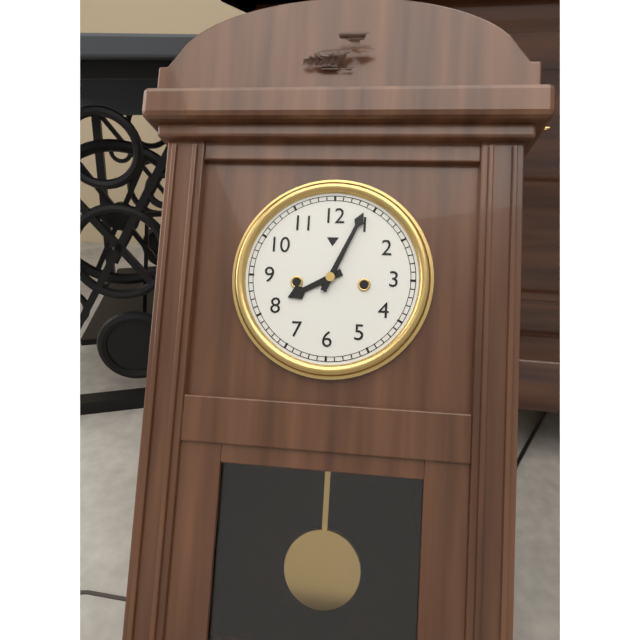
8:04
